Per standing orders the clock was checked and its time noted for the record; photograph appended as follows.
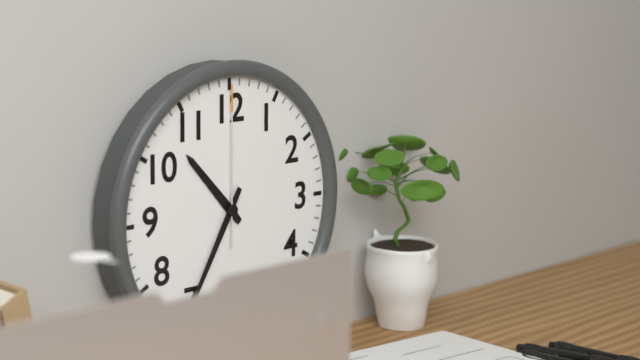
10:35:00
